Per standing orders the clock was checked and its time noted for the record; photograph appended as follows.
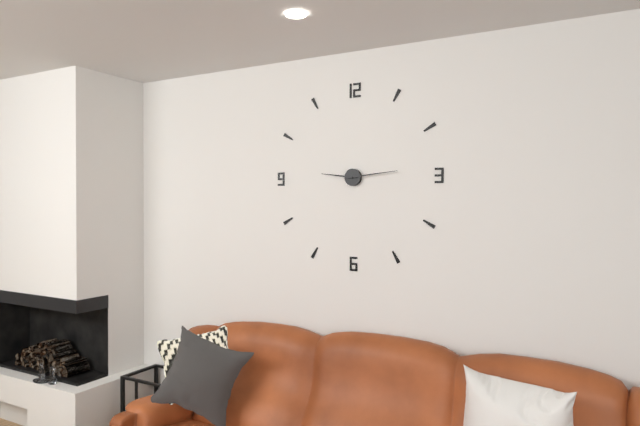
9:14
